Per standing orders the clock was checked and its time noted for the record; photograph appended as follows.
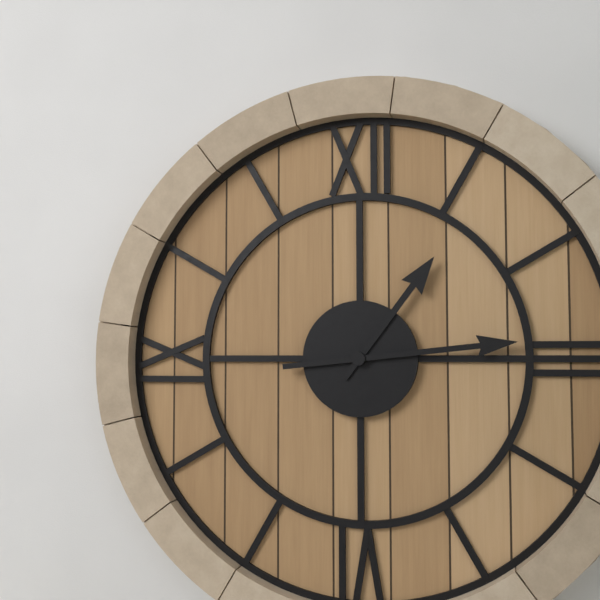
1:14
